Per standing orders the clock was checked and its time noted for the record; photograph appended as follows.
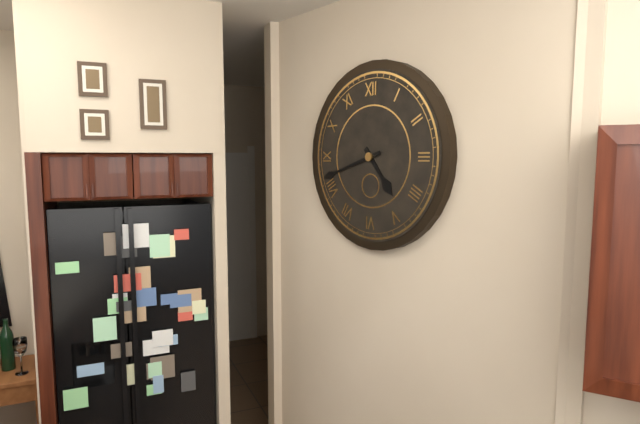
4:42
